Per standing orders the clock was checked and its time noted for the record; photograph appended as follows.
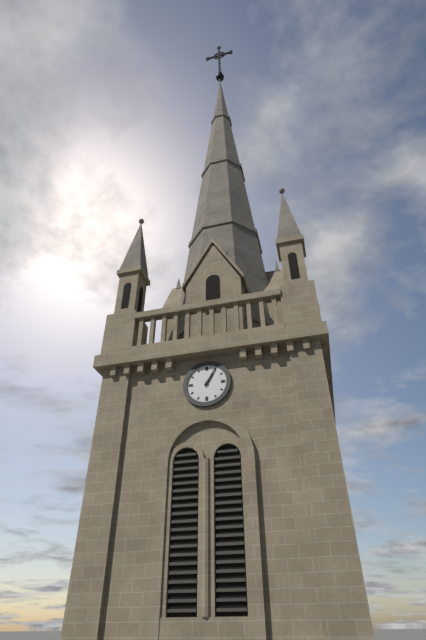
1:05
